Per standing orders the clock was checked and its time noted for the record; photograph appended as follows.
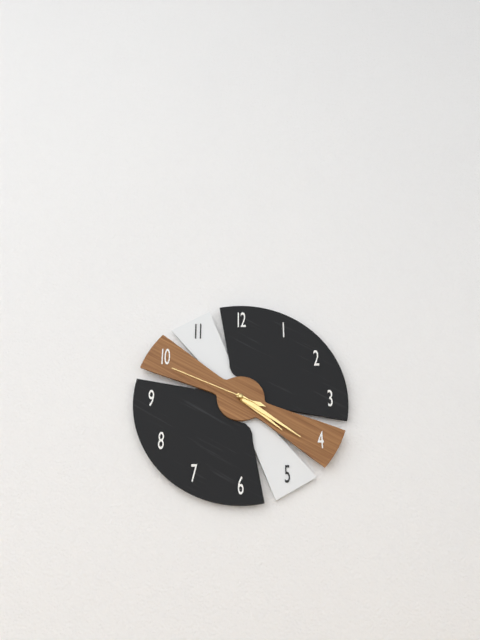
4:21:49
